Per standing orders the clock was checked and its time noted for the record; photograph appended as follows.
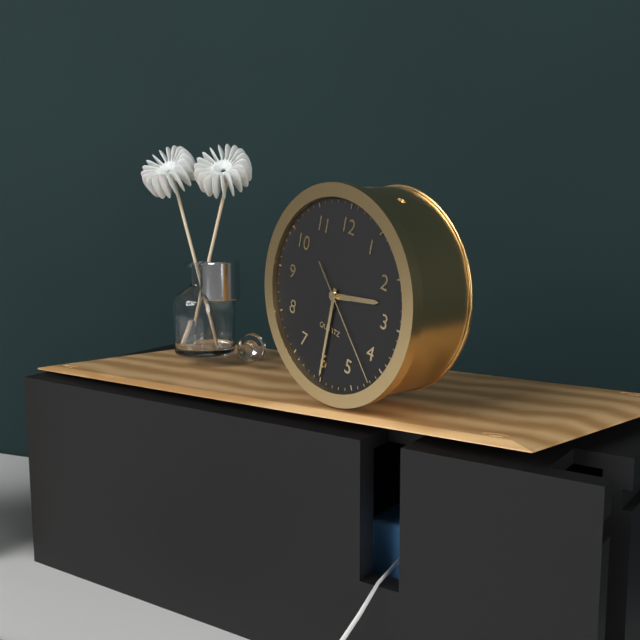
2:30:22
